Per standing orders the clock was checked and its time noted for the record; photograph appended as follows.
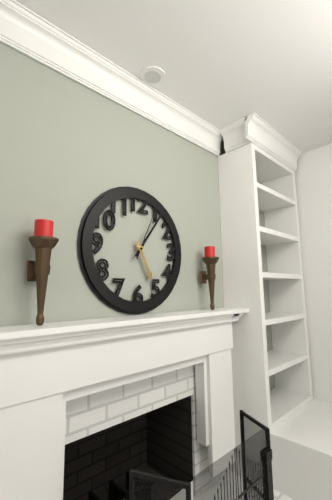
5:06:04
